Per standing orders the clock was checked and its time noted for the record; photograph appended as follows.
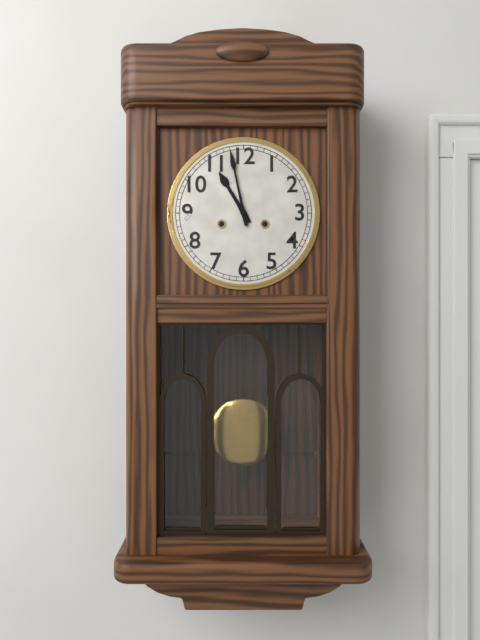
10:58
